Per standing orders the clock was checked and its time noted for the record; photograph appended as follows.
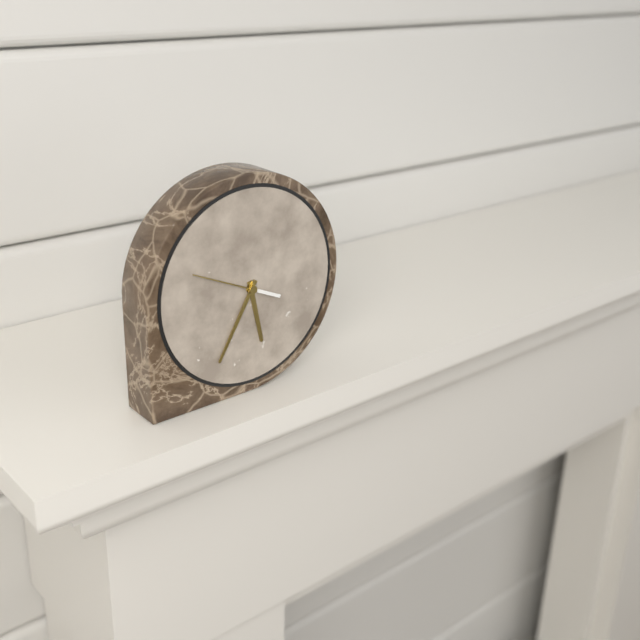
5:35:49
